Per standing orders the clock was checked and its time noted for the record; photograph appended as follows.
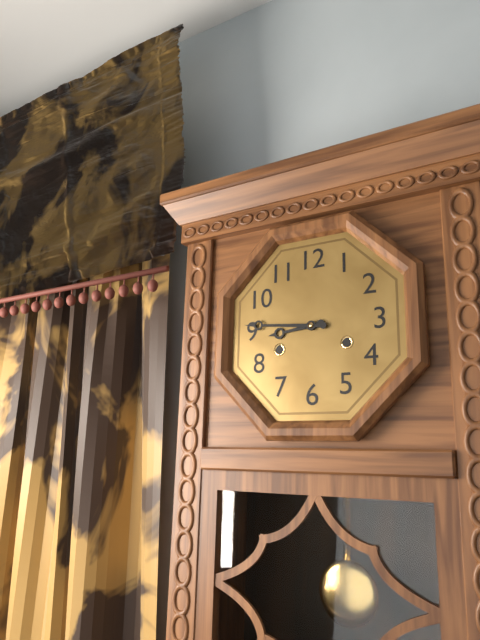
8:46
